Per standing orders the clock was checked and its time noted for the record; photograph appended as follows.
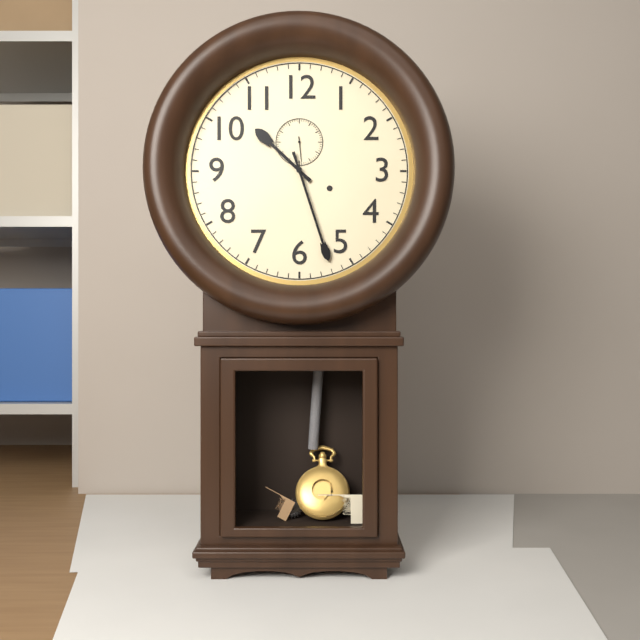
10:27
